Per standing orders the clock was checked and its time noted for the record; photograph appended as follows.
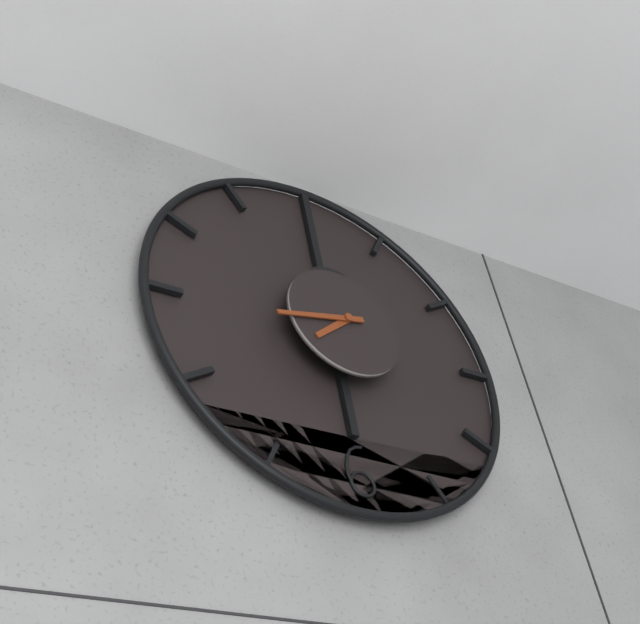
7:43
